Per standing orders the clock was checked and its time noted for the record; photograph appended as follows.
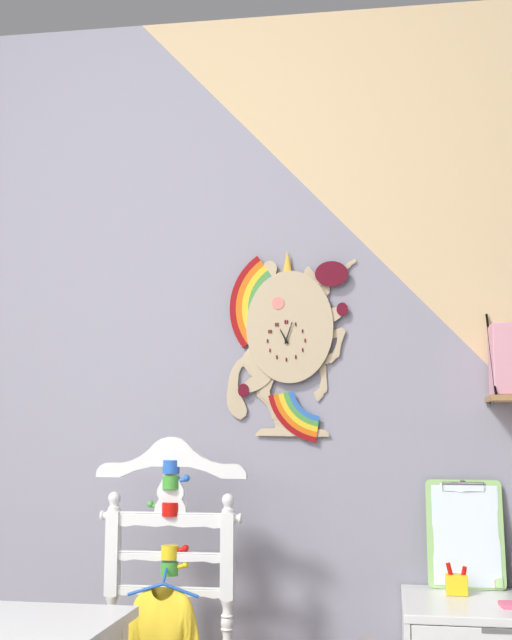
11:03
